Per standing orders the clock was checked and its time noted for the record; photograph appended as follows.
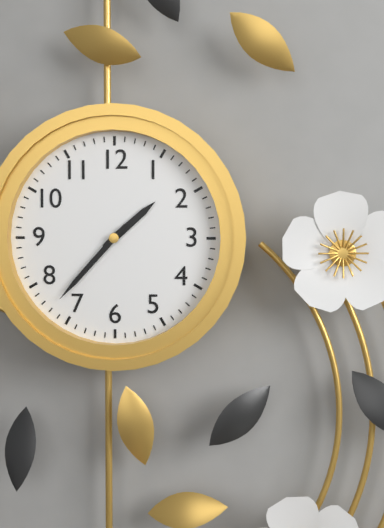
1:37
